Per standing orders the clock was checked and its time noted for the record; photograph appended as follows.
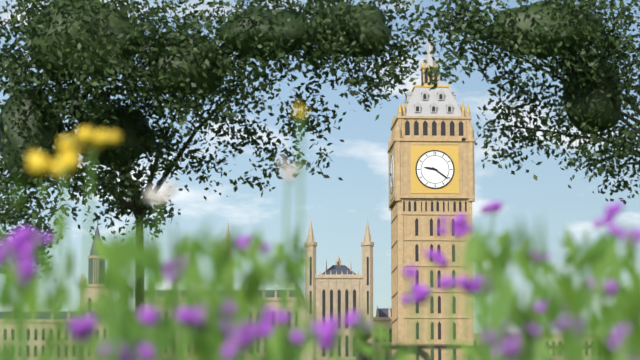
9:21
